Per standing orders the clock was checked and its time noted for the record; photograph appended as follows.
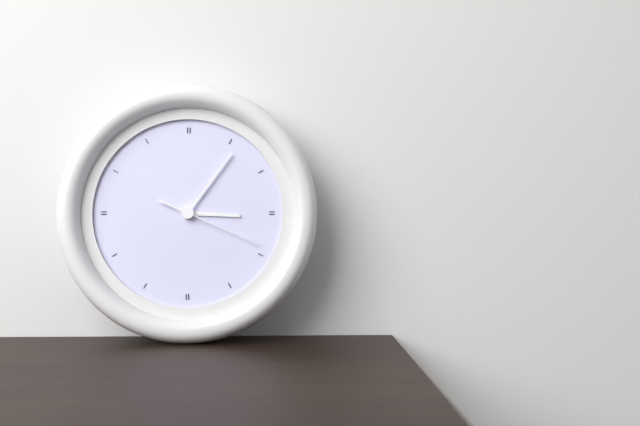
3:06:19
